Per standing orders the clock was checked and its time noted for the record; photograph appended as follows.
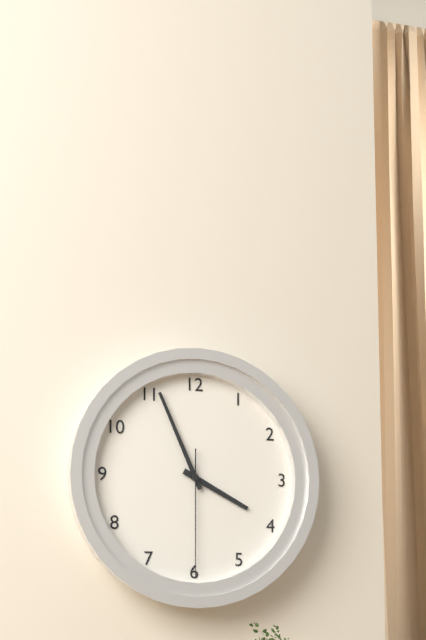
3:56:30
